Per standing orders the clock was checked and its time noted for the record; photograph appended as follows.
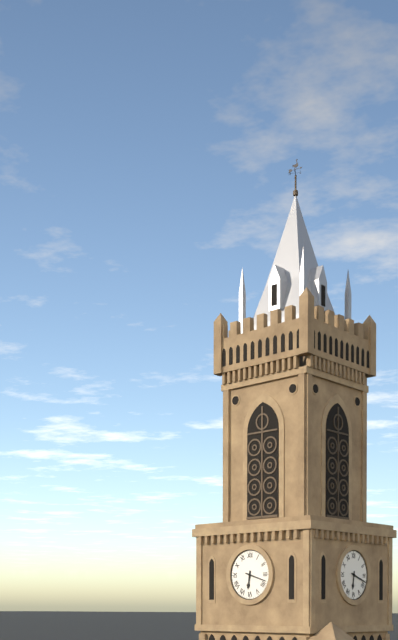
6:18
